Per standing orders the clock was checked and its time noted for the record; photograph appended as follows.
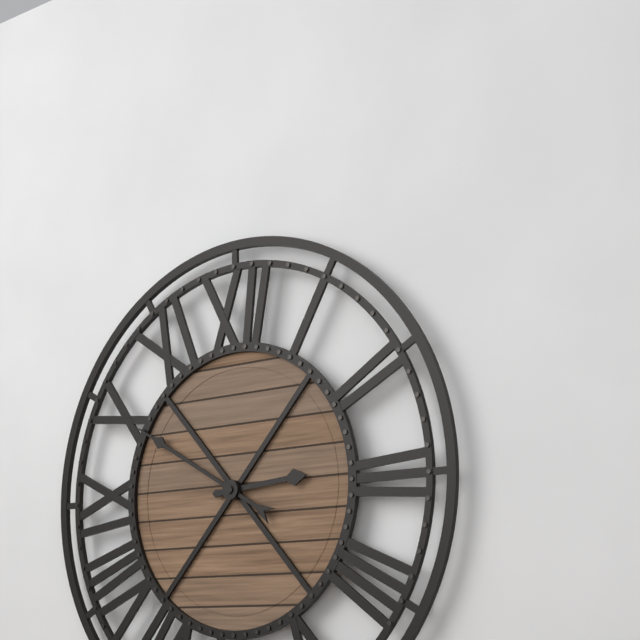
2:50
